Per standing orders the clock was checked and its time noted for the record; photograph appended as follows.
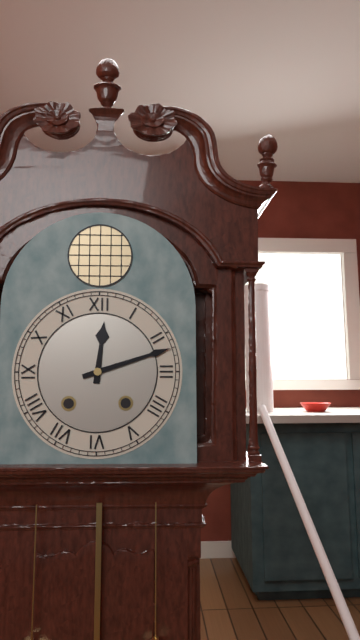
12:12
